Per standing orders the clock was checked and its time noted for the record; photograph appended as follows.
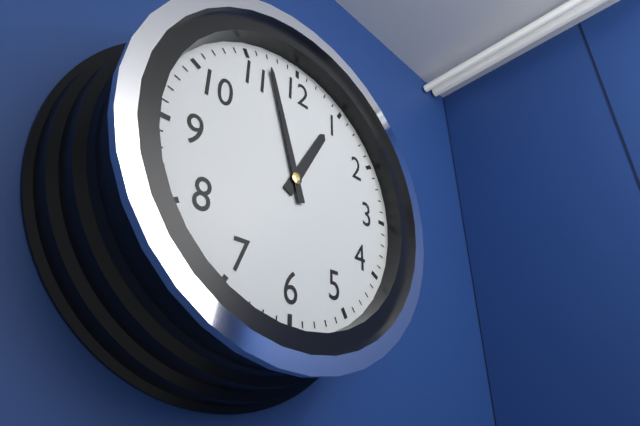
12:57
